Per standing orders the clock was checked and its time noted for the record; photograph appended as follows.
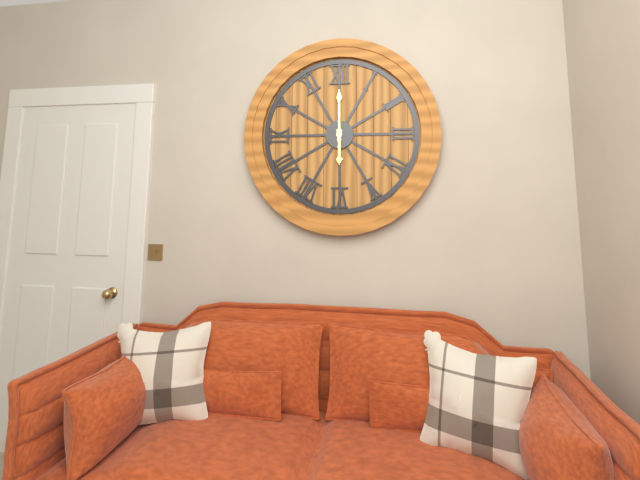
6:00
